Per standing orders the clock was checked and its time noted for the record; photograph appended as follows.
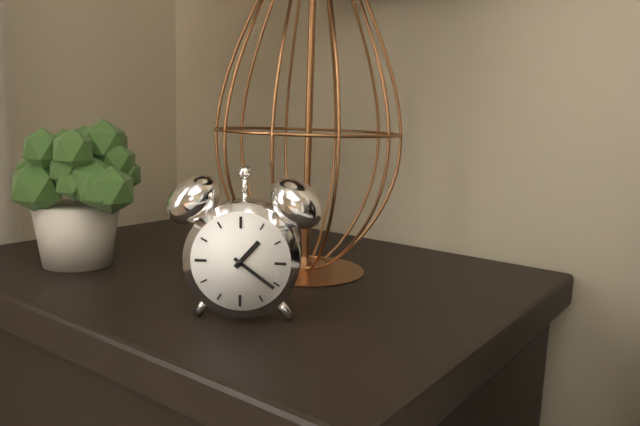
1:21
